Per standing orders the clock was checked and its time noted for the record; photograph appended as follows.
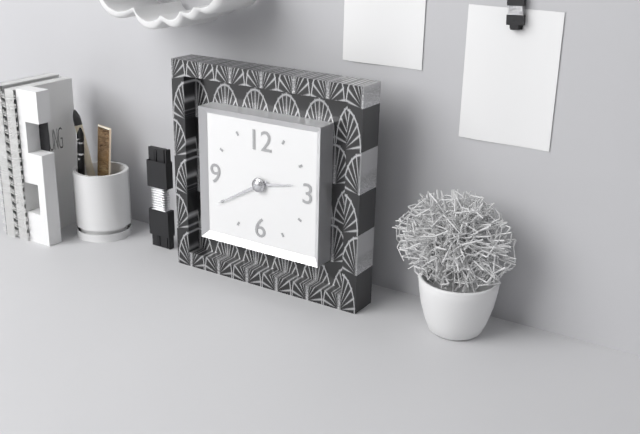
2:40
